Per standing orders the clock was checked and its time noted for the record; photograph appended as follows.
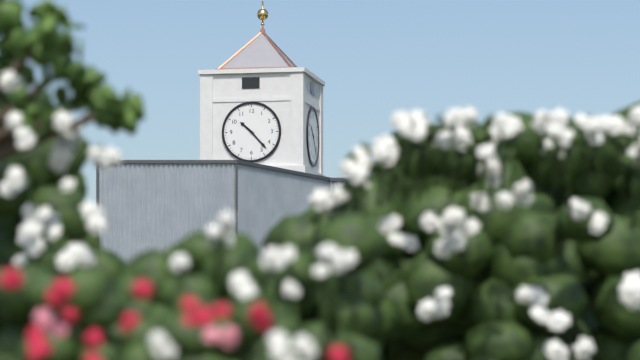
10:23
